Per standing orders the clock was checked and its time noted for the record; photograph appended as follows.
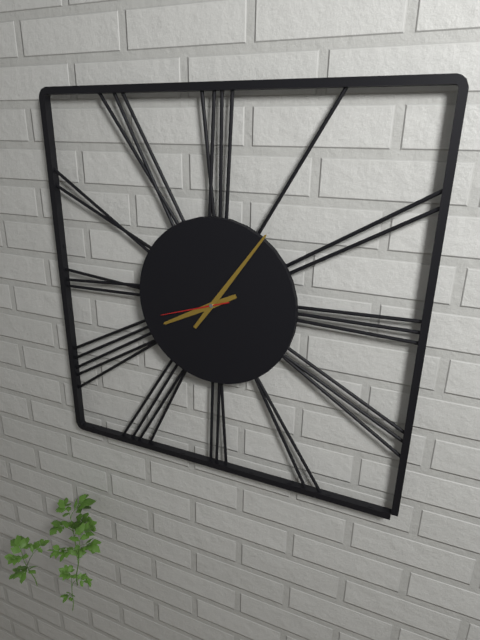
8:06:42
